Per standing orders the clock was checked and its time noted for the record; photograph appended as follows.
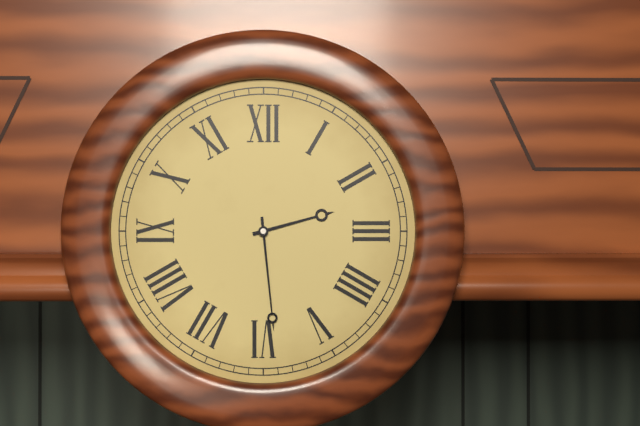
2:29
